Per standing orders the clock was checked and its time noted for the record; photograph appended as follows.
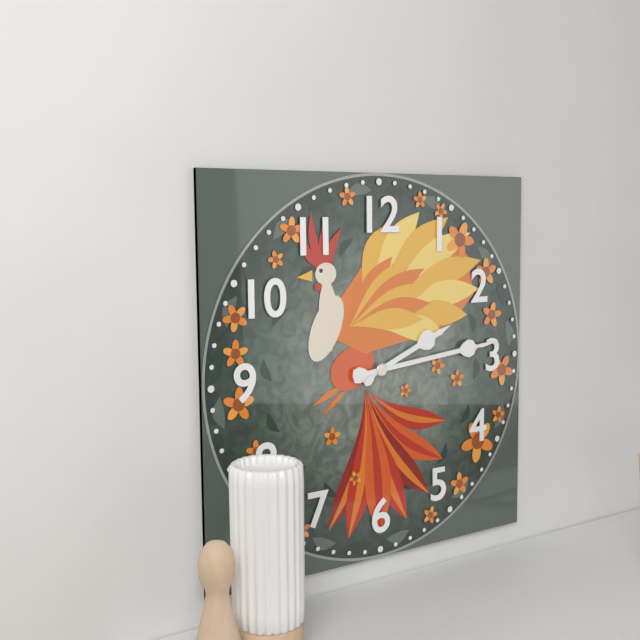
2:14
